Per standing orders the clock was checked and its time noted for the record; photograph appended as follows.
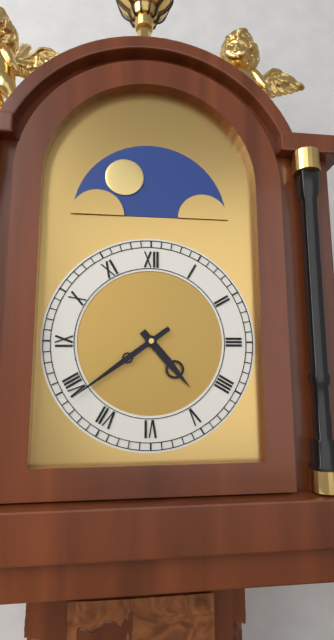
4:39
